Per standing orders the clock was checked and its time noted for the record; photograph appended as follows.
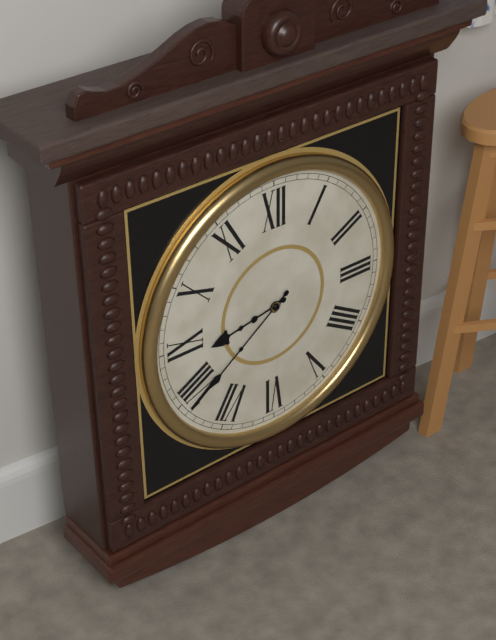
8:39
